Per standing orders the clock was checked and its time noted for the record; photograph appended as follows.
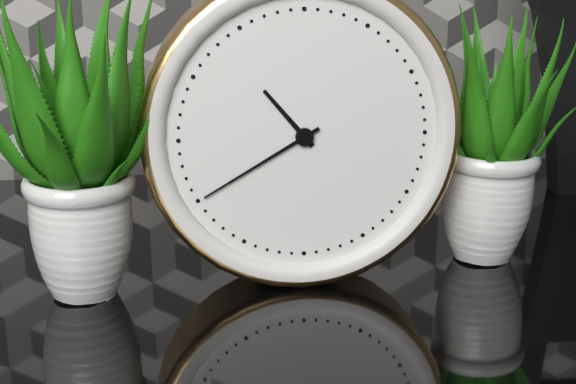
10:40
